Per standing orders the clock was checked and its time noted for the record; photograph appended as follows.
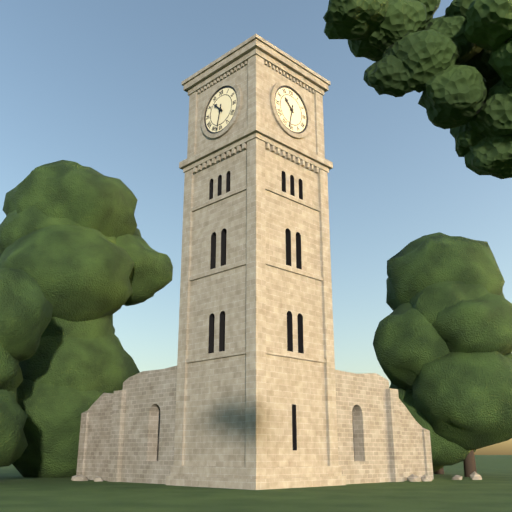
10:32
